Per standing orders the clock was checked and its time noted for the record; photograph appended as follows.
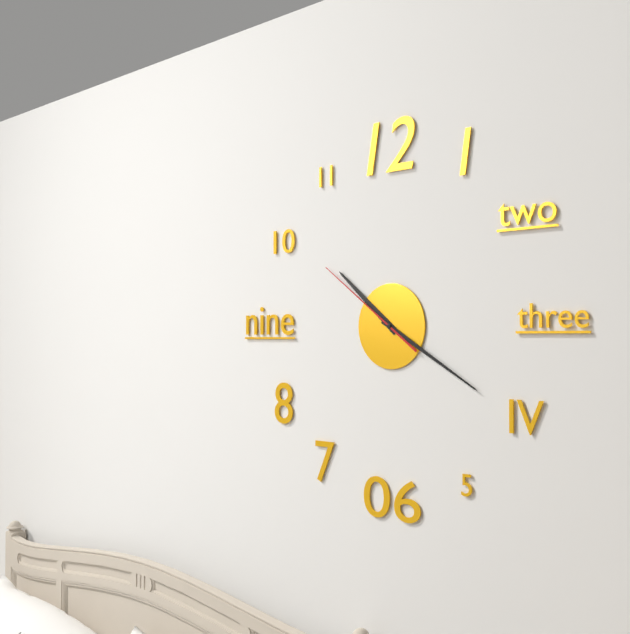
10:20:51
